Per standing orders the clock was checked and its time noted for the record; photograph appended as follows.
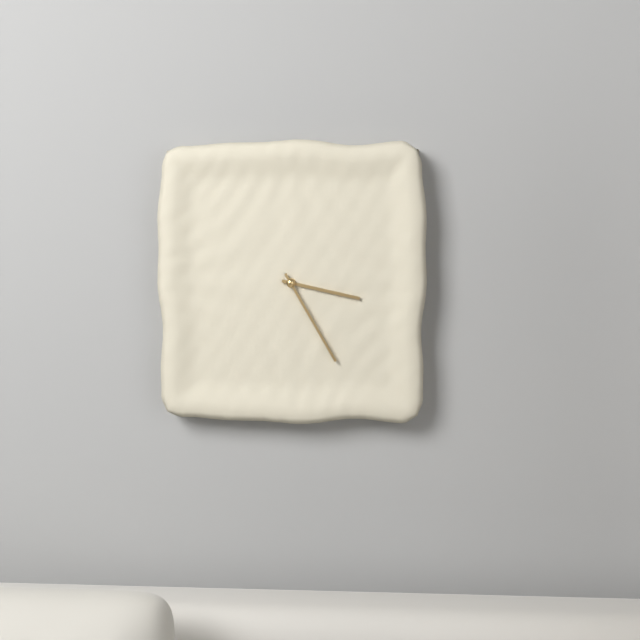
3:25
